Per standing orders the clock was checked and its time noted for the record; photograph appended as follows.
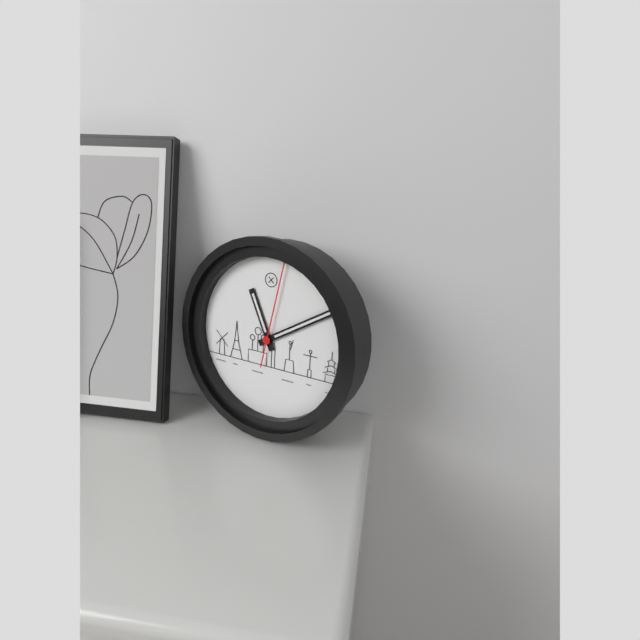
11:10:02
